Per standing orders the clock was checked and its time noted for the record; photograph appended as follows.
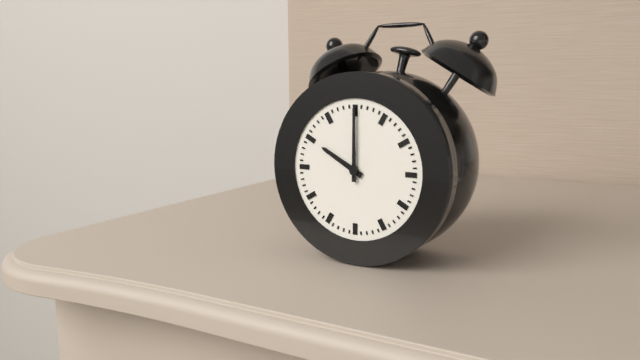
10:00
